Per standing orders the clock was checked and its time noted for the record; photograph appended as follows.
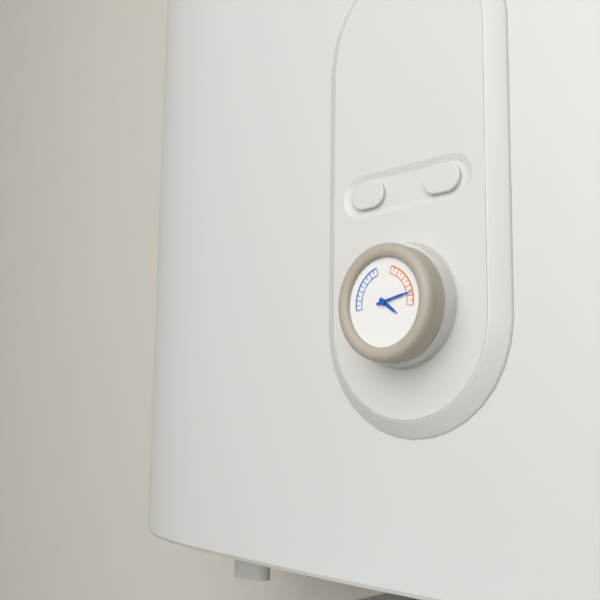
4:13
